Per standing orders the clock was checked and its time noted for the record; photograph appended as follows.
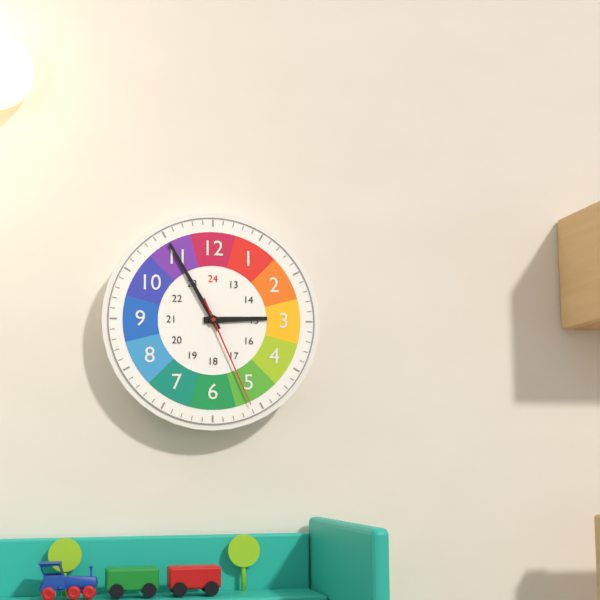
2:55:26
